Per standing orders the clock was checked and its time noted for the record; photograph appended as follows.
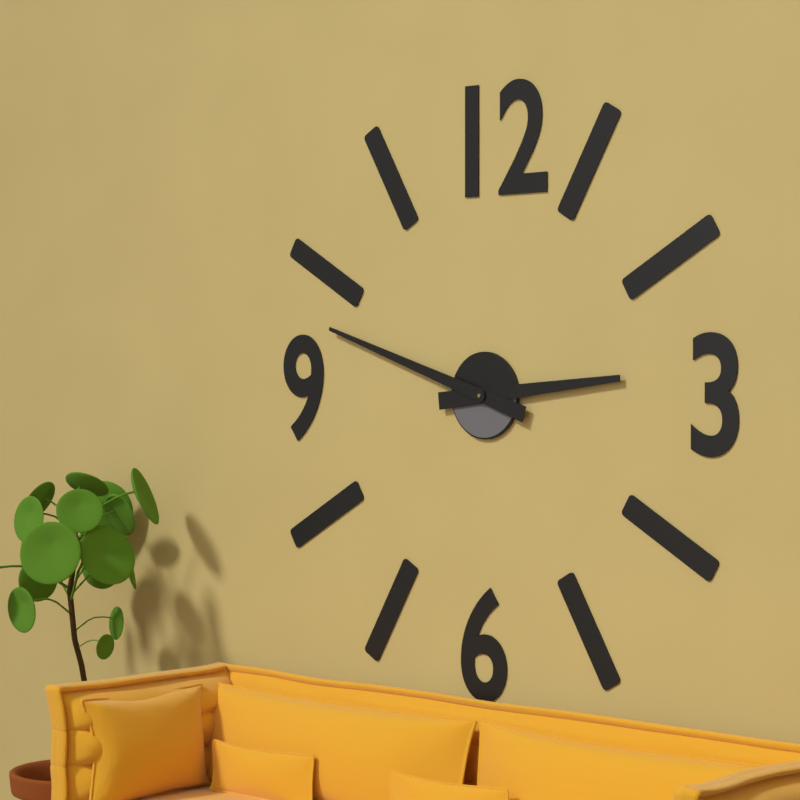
2:48
